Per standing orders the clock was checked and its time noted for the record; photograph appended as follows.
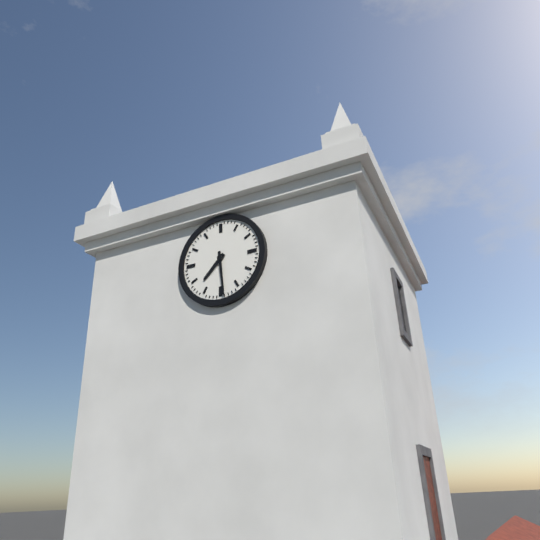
7:29
